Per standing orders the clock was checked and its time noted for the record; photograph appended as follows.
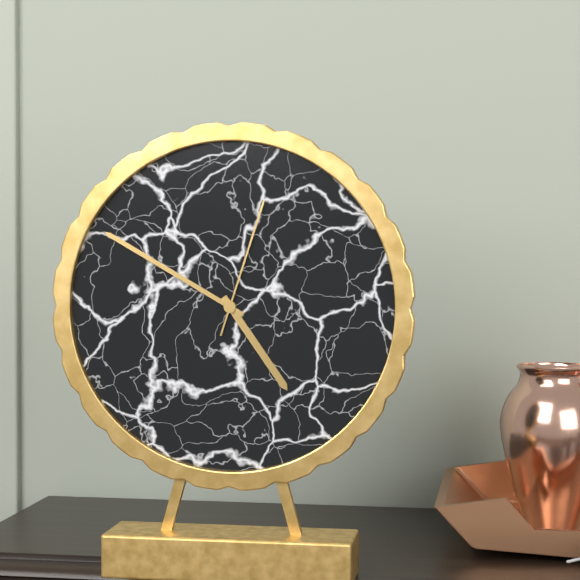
4:50:03
